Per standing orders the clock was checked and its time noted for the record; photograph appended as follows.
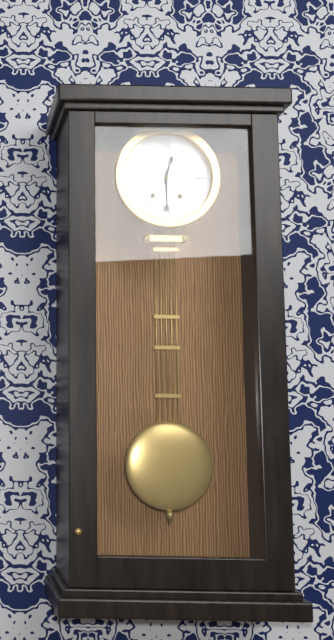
12:30
